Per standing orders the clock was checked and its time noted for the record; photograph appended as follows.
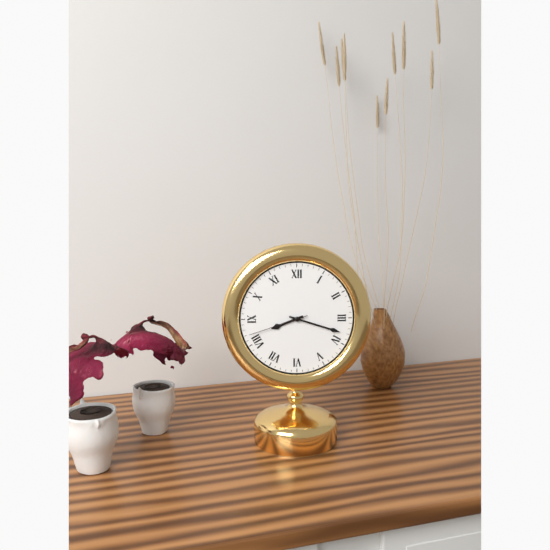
8:18:42
